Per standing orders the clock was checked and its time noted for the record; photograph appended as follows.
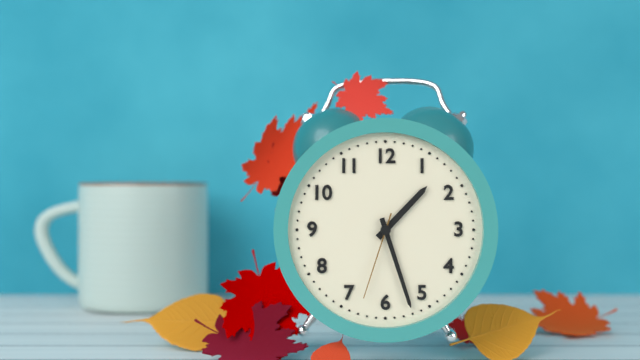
1:27:33
